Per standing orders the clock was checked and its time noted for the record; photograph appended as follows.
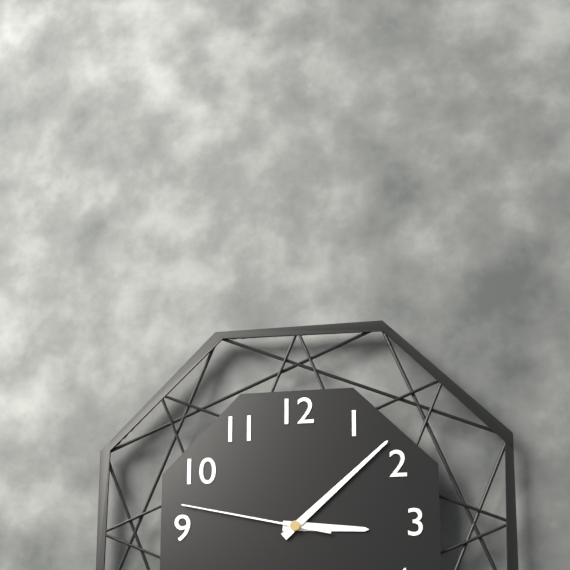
3:08:47
